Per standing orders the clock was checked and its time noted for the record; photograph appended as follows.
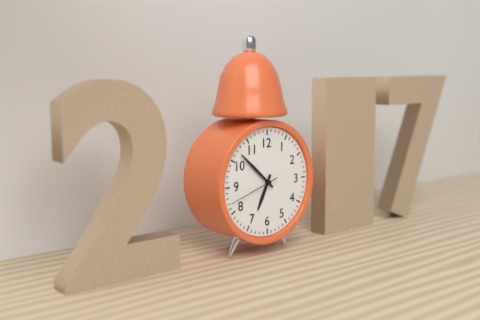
6:52:42
